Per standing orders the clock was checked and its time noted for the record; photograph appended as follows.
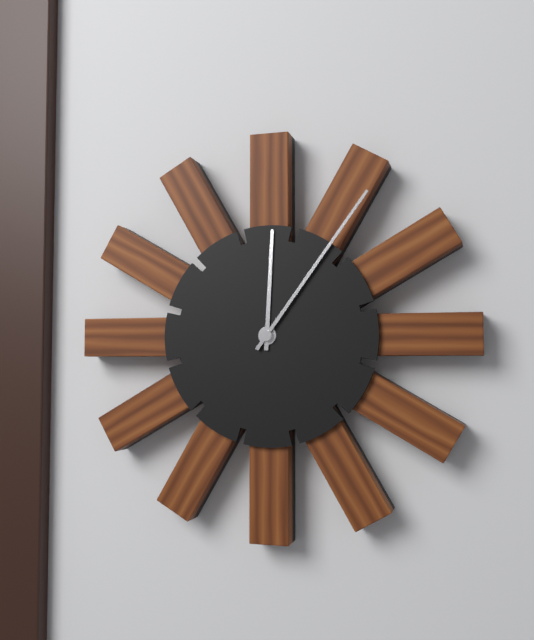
12:06
